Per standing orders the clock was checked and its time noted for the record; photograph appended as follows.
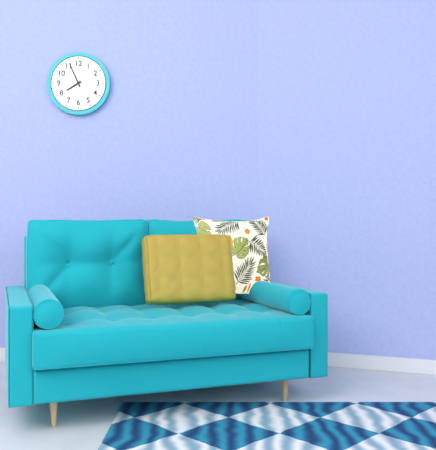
7:56
